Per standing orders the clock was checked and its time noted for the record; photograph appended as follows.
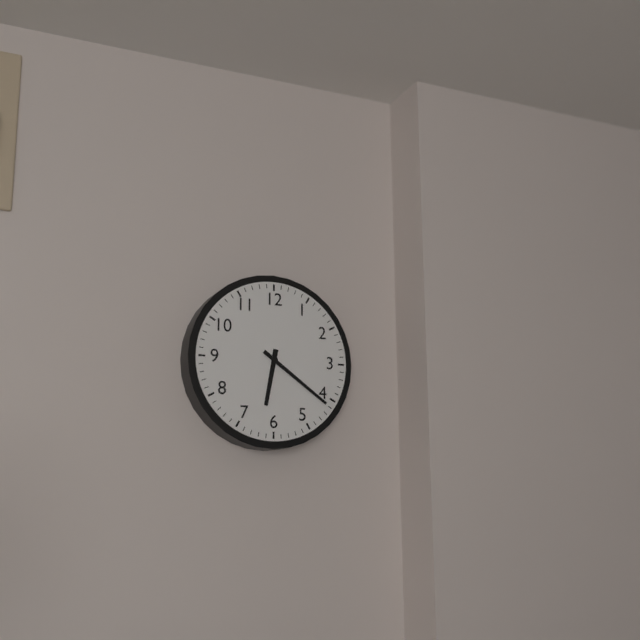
6:21
